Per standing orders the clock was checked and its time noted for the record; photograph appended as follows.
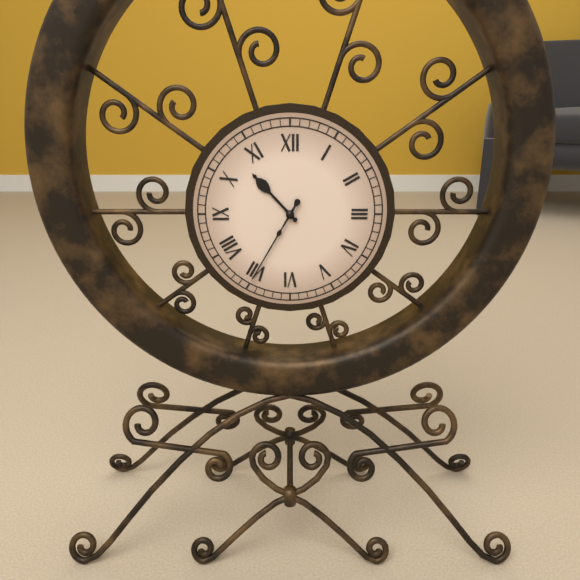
10:35
